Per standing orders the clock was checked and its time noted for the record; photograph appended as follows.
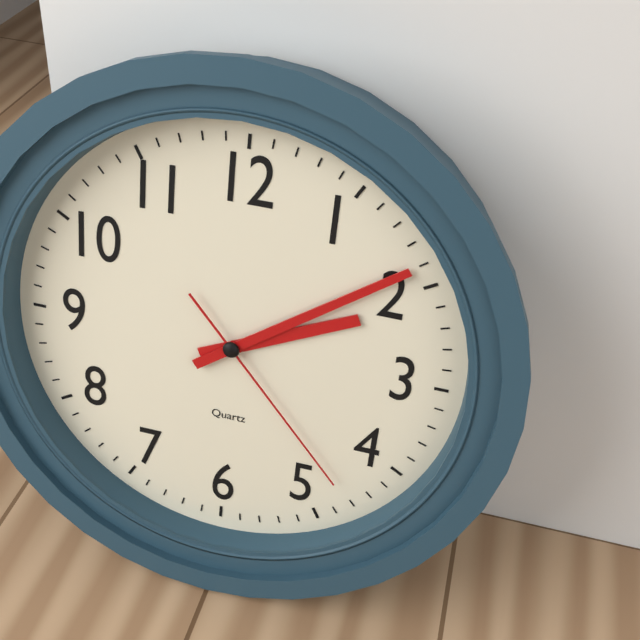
2:09:23
